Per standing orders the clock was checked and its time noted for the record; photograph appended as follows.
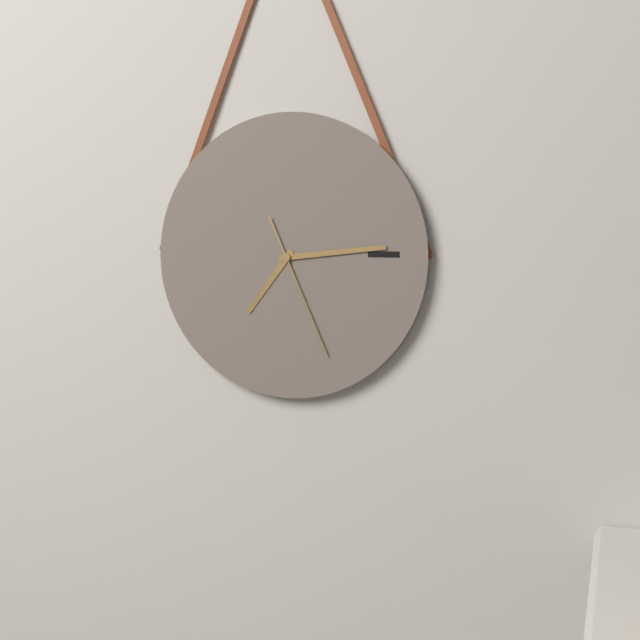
7:14:26
